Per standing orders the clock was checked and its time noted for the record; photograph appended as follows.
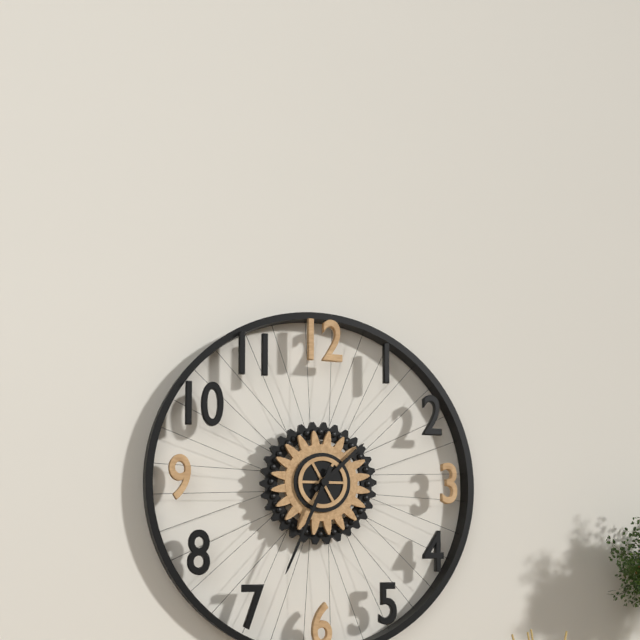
1:34
